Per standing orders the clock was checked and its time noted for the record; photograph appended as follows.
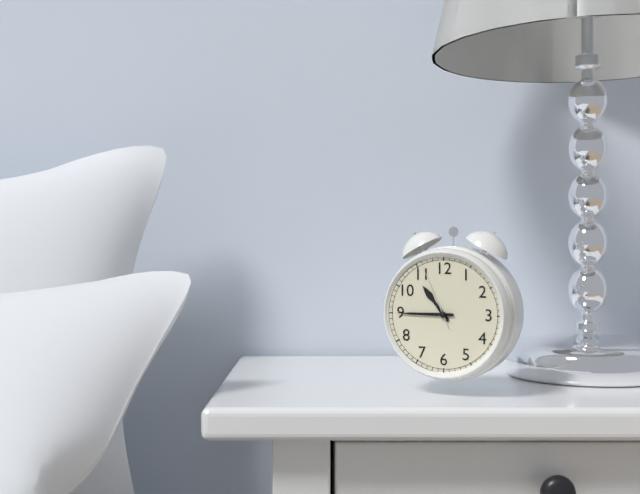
10:45:56
